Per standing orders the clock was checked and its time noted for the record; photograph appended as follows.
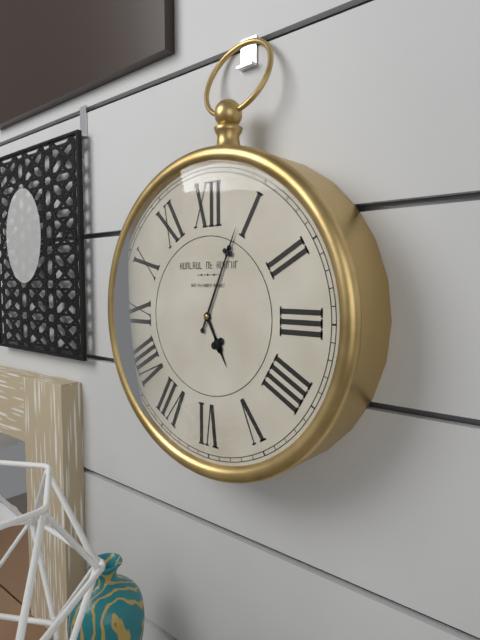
5:04
